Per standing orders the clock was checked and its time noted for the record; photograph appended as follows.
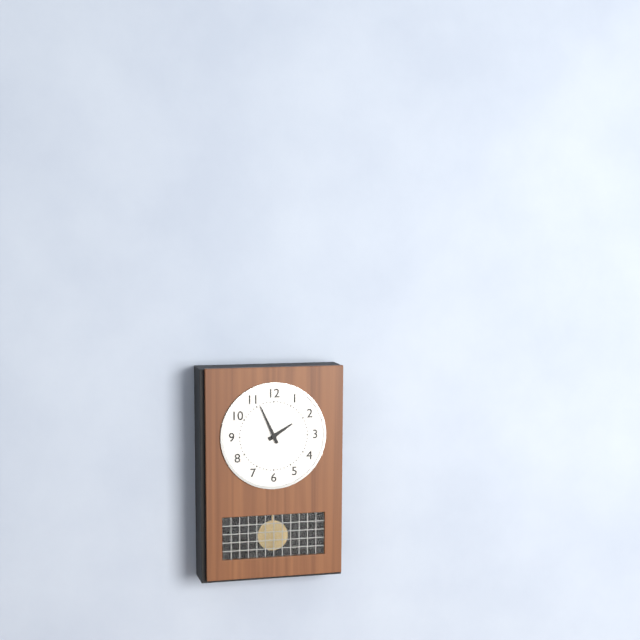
1:56
